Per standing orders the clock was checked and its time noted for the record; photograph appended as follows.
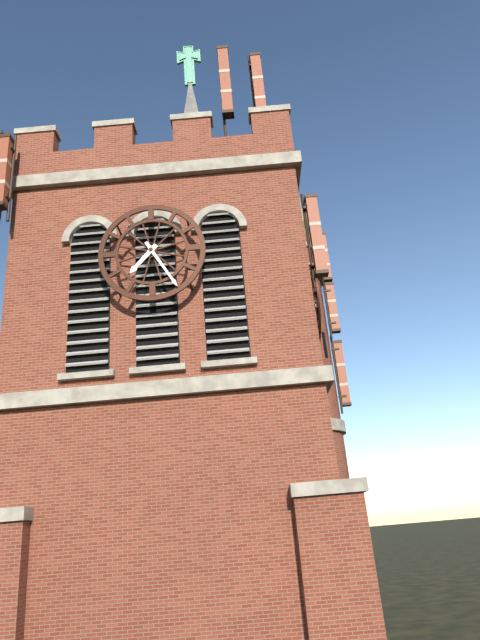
7:25
